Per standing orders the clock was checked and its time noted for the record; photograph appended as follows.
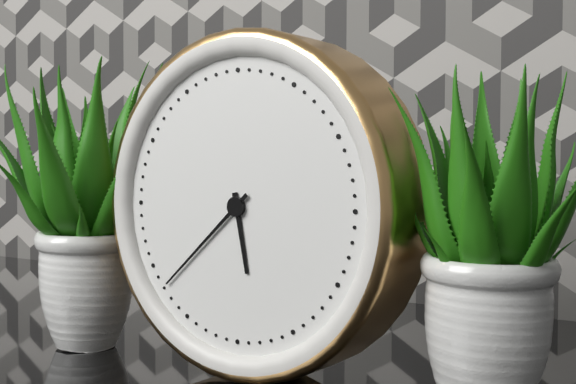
5:38
